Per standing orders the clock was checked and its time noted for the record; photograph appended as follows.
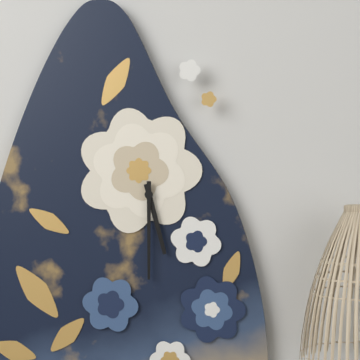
5:30
